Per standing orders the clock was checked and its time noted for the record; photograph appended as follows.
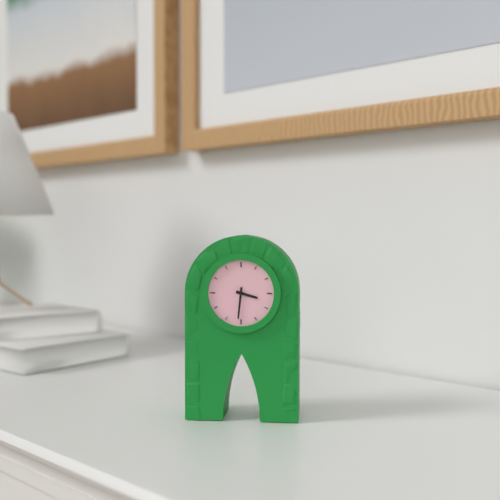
3:31
